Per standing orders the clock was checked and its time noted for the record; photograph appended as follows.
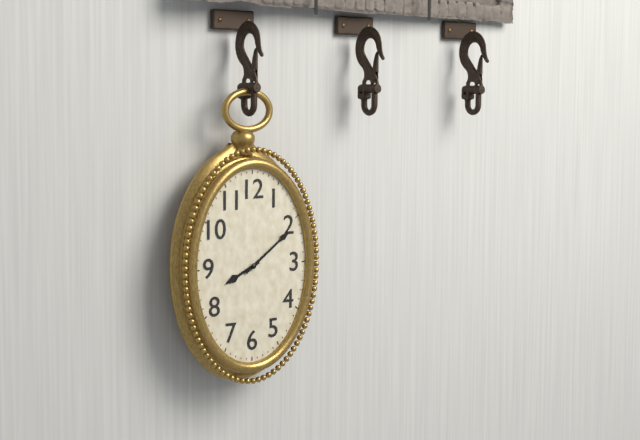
8:09
